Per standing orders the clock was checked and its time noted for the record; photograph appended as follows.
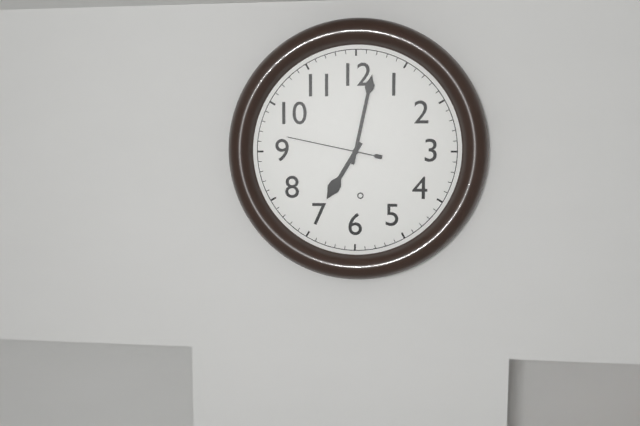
7:02:47
